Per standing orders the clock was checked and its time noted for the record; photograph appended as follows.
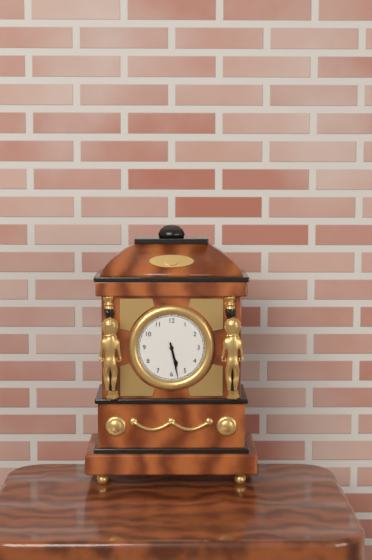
5:28
